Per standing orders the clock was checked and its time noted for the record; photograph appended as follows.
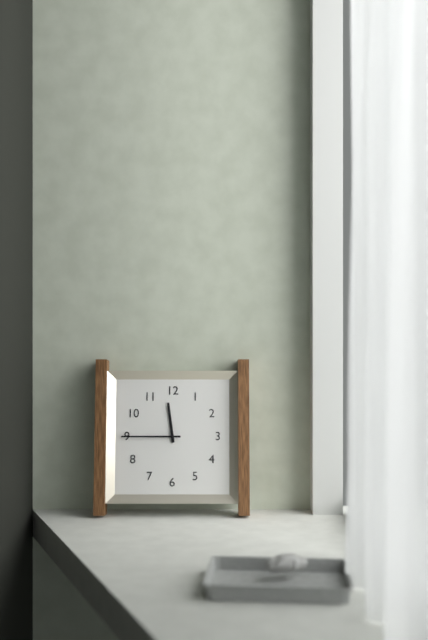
11:45
